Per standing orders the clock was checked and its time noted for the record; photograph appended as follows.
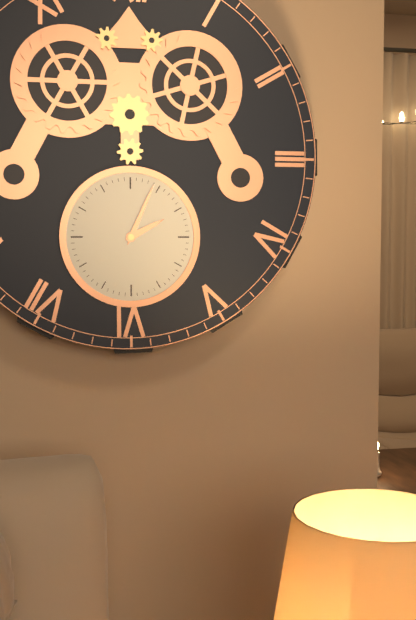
2:04
